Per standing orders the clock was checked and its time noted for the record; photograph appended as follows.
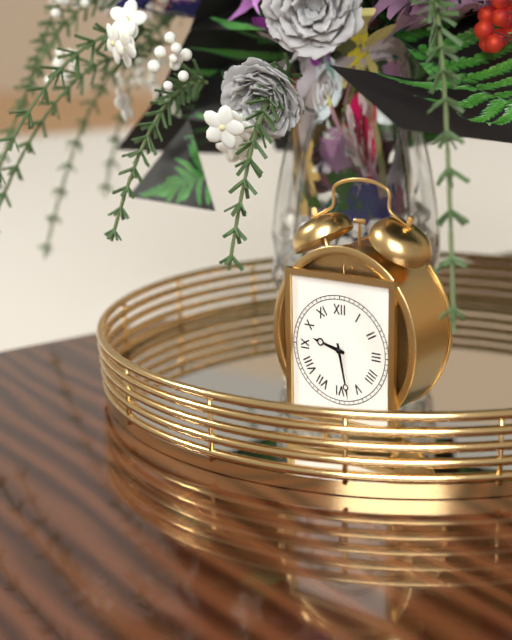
9:28
